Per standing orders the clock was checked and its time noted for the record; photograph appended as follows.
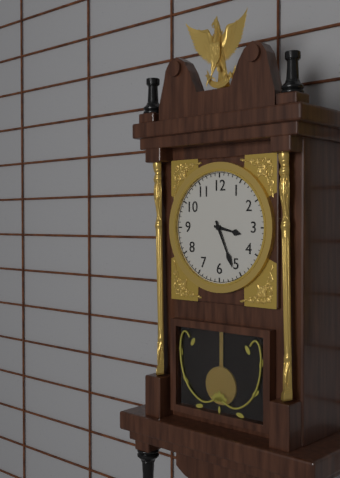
3:26
